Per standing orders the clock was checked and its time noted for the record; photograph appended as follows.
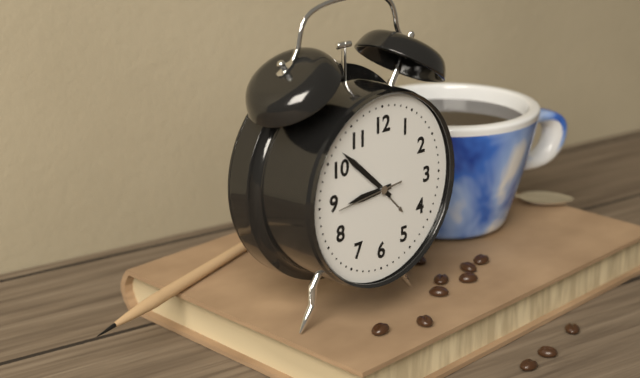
8:52
